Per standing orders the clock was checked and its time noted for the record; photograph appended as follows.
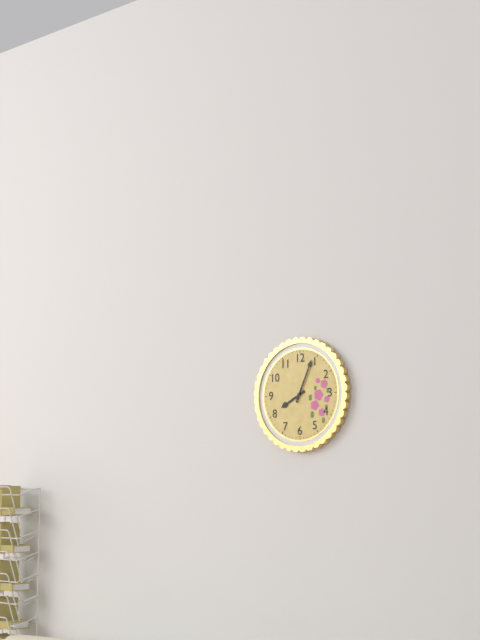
8:04
